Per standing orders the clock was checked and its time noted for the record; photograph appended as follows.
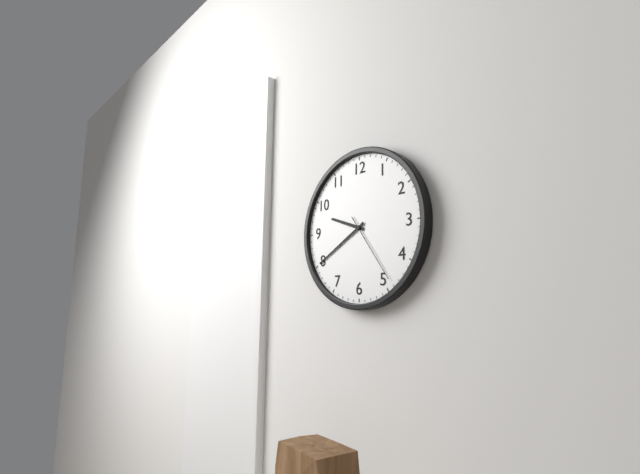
9:40:24
